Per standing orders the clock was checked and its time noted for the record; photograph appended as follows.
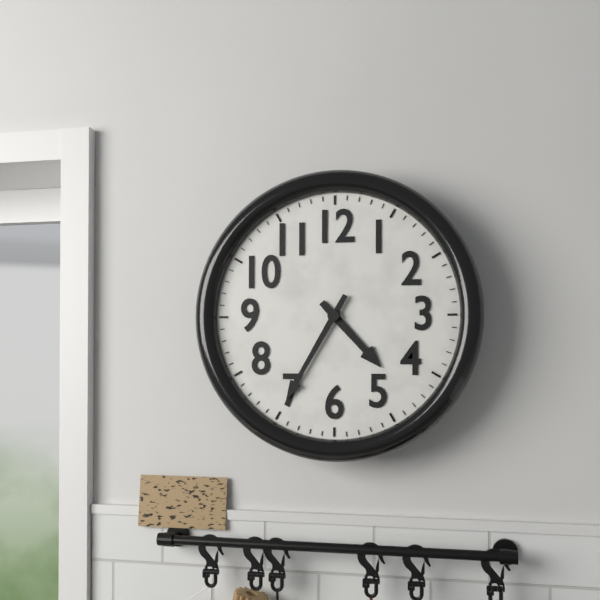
4:35
